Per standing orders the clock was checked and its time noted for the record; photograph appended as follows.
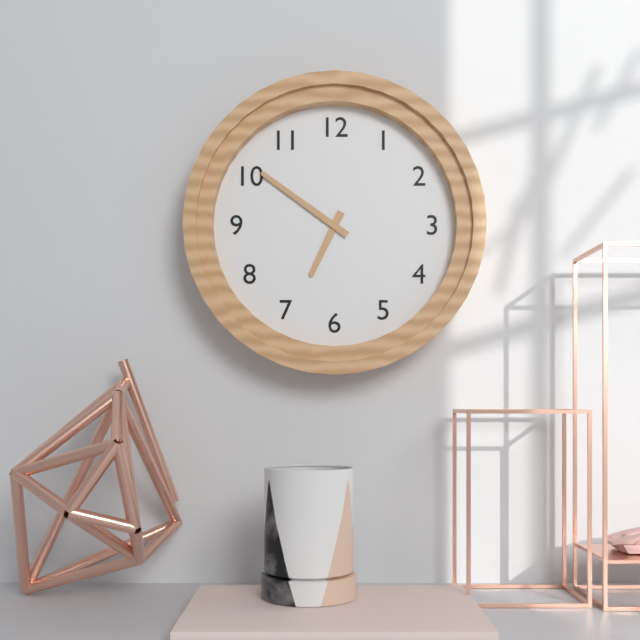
6:51
